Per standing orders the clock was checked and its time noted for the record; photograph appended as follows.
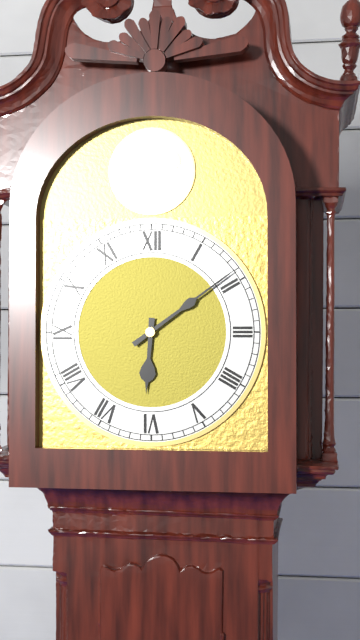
6:09
